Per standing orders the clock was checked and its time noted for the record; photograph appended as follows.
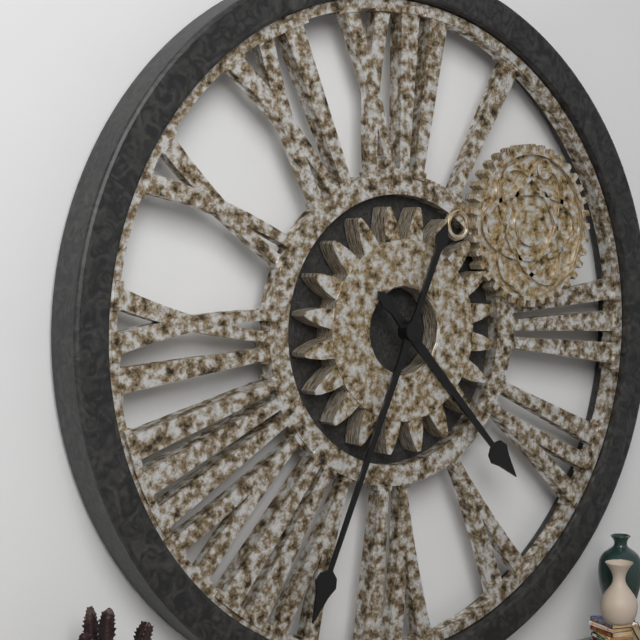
4:34
